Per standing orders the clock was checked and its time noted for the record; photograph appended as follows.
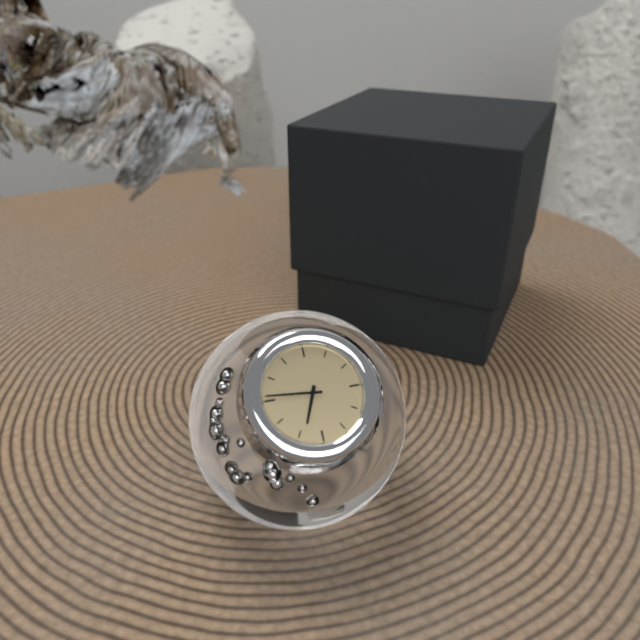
6:46
